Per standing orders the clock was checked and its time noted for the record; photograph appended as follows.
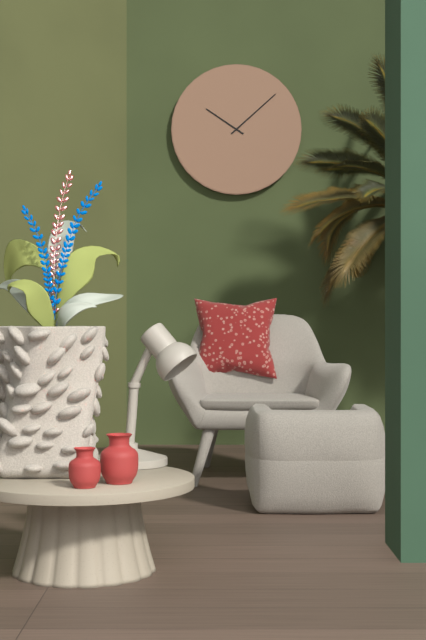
10:08
